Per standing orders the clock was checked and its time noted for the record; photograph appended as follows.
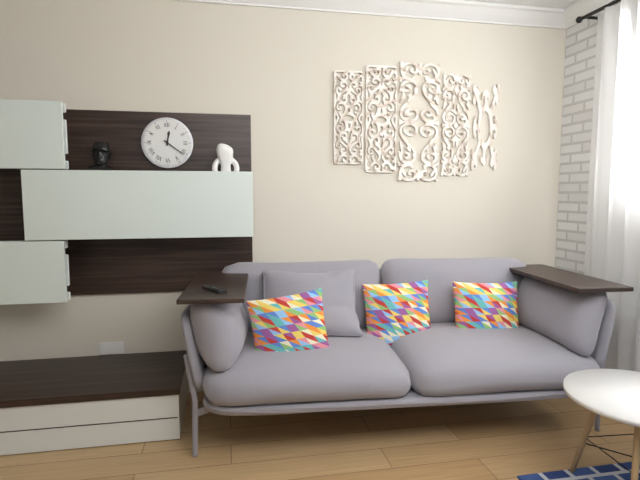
12:21
